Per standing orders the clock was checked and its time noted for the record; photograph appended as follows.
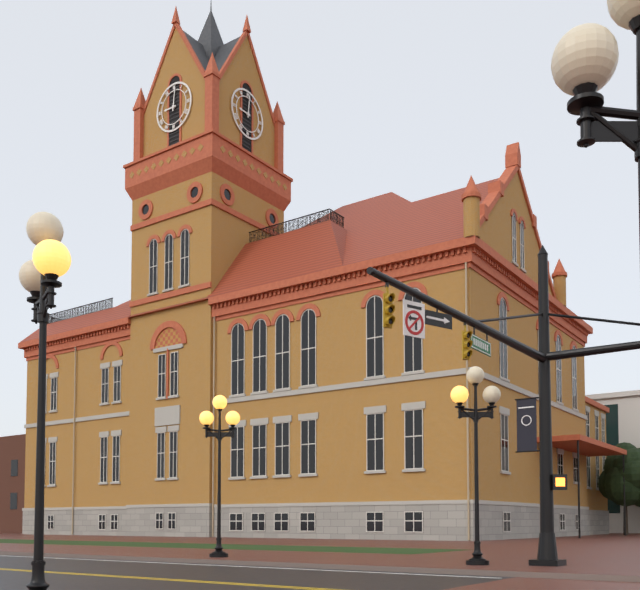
9:01
